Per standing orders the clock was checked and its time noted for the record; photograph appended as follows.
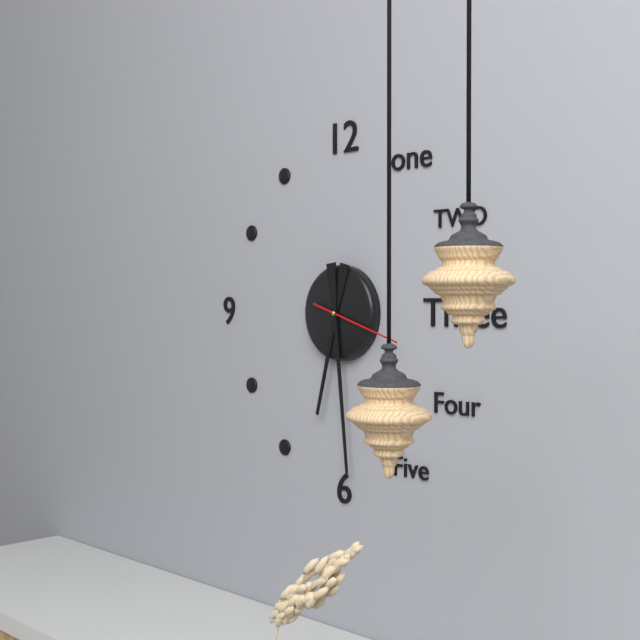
6:29:18
